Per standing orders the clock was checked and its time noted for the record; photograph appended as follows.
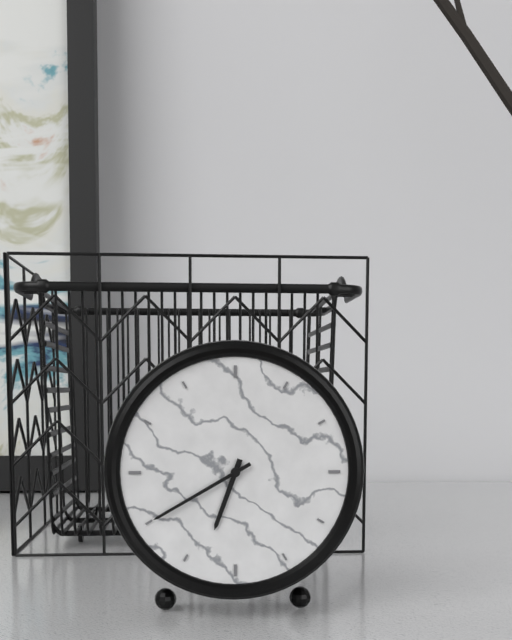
6:40
